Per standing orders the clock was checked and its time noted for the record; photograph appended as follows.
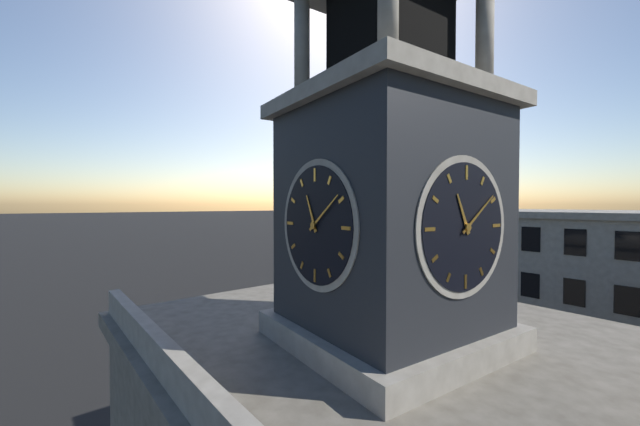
11:09
